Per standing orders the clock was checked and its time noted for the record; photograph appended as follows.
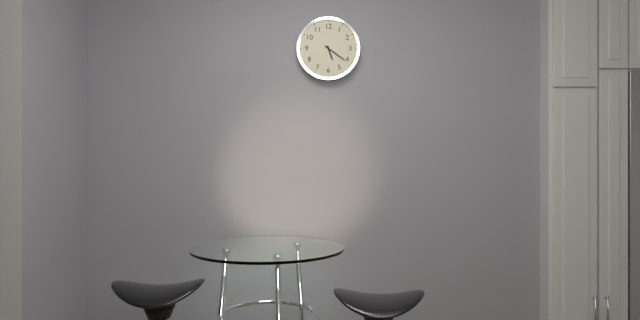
5:21
